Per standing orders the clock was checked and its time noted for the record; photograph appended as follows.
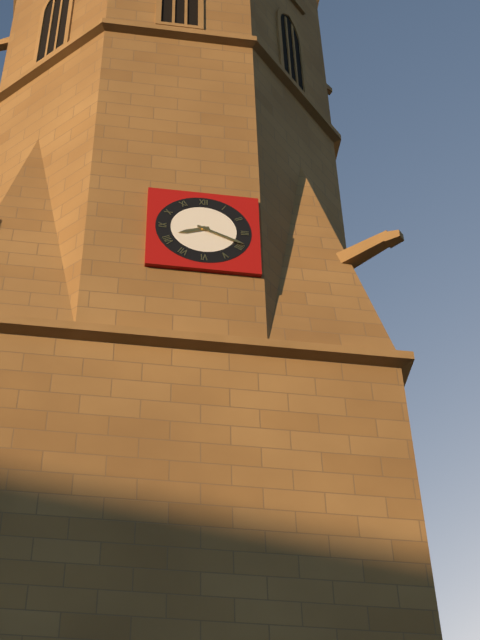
8:19
